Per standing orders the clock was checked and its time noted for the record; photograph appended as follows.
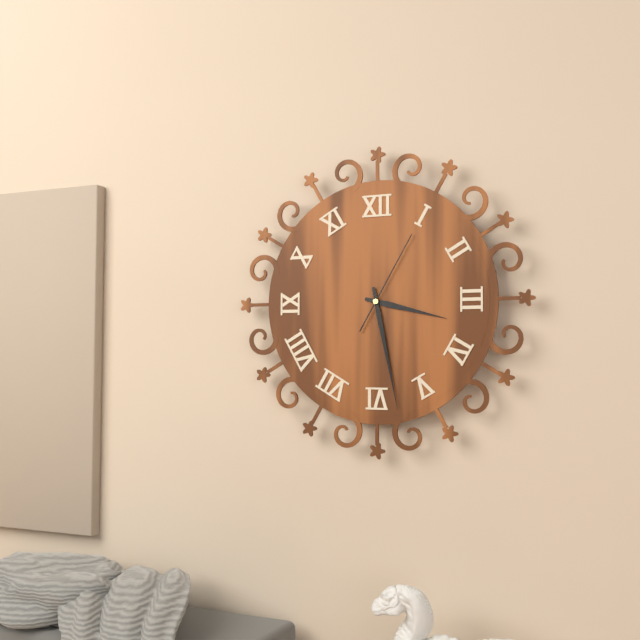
3:28:05
